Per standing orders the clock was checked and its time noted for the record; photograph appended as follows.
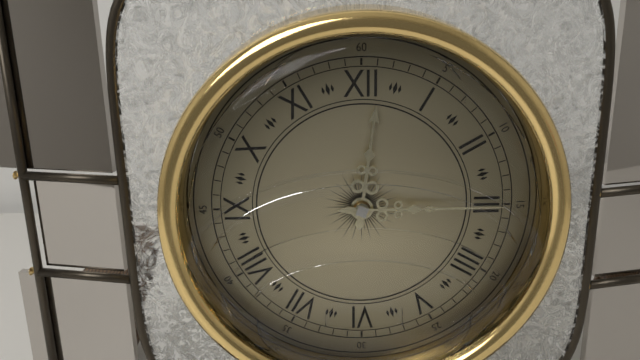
12:15
